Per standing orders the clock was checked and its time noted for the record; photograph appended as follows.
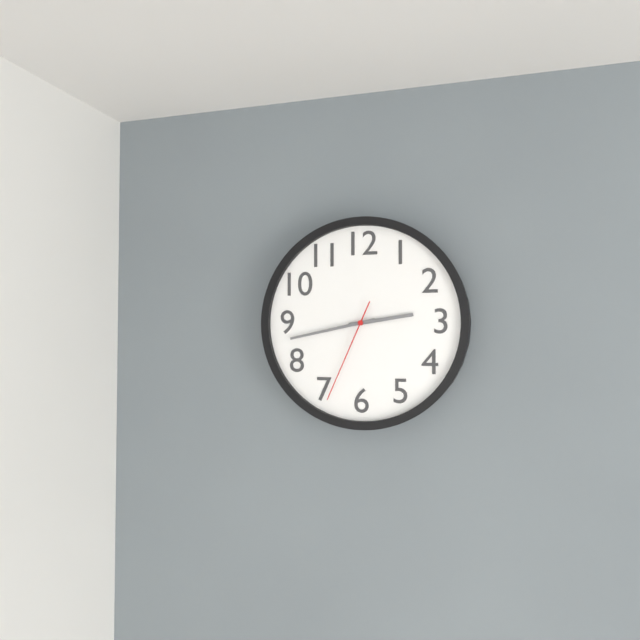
2:43:34
